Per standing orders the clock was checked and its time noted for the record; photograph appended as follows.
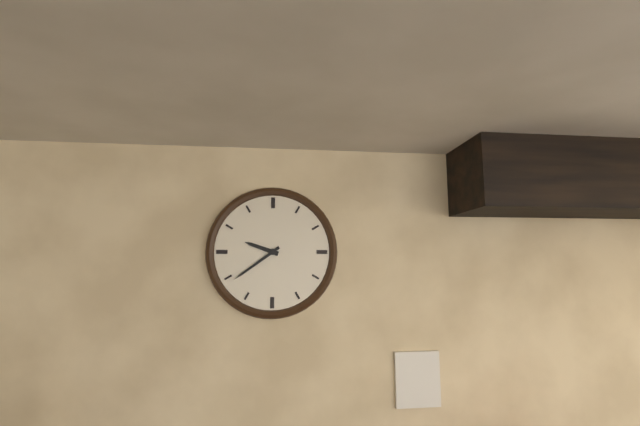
9:39
